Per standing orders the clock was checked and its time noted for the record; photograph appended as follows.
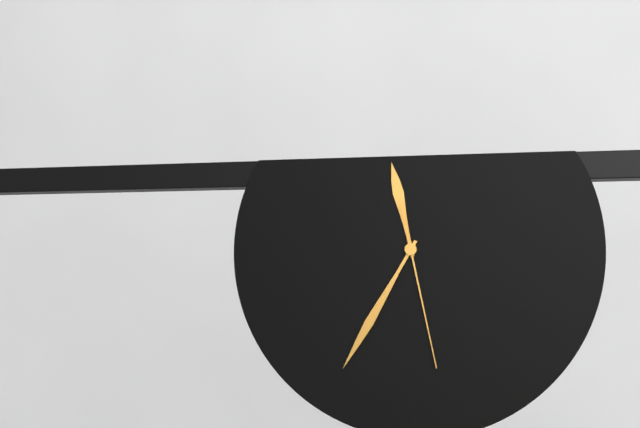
11:35:28
